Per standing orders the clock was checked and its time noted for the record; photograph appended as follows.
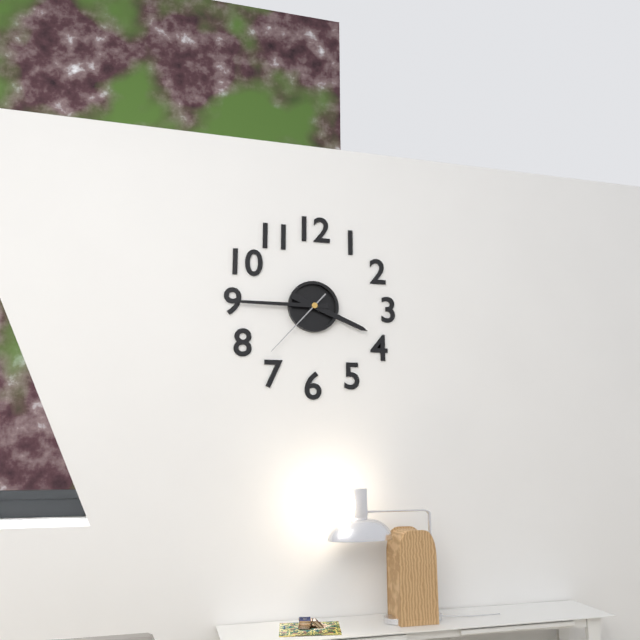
3:45:37
